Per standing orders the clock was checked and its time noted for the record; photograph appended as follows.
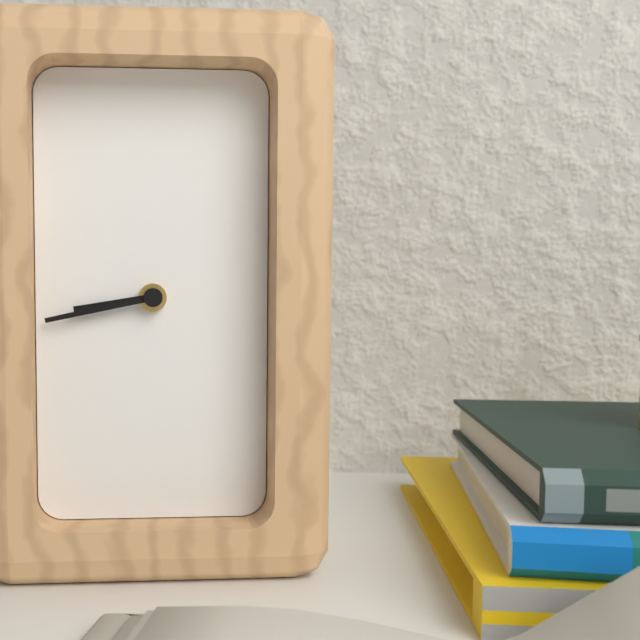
8:43
